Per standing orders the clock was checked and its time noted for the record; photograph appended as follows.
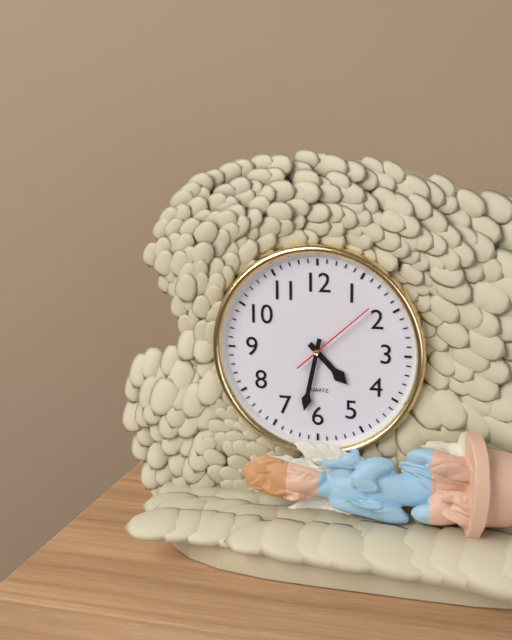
4:32:08
